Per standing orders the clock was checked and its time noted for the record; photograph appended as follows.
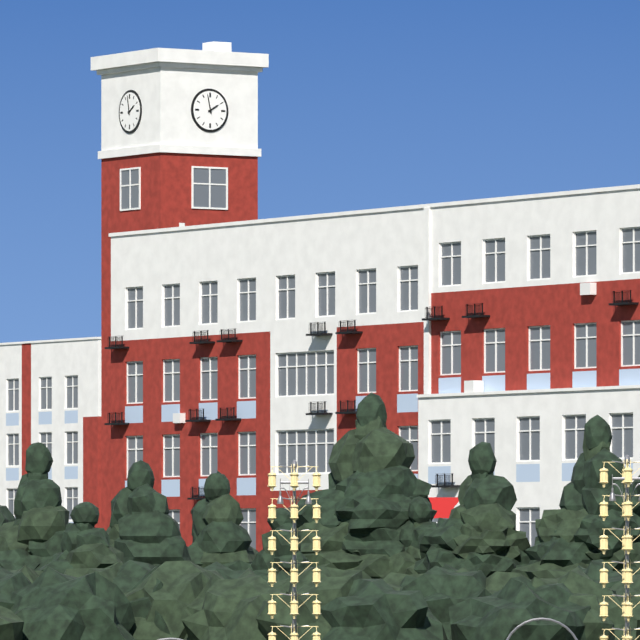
1:58
